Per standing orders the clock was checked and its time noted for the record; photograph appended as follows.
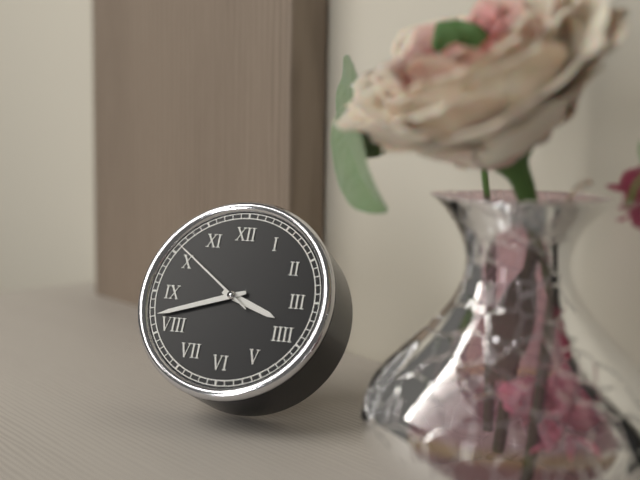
3:42:51
